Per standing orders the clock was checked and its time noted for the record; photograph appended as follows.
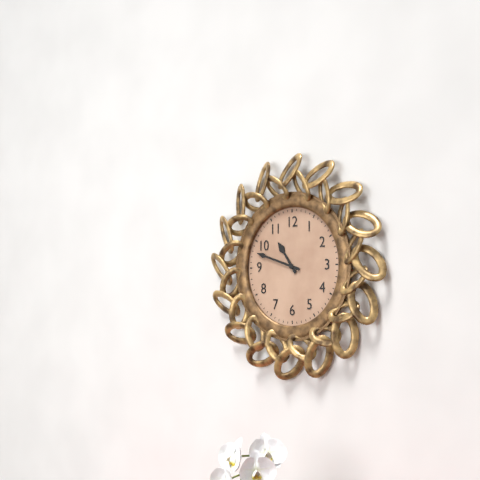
10:48
